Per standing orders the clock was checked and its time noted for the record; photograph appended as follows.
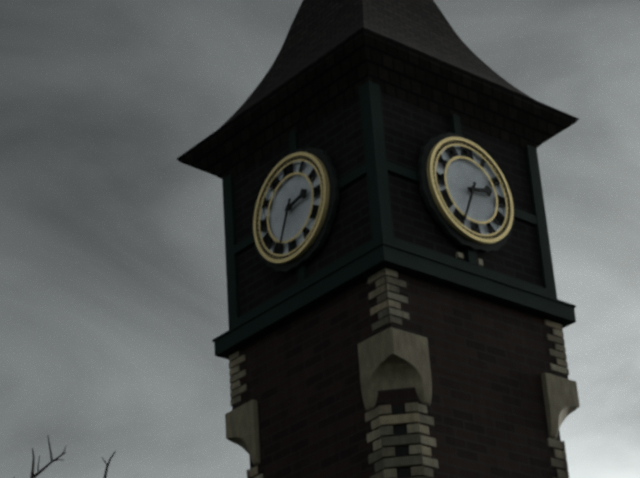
2:34
